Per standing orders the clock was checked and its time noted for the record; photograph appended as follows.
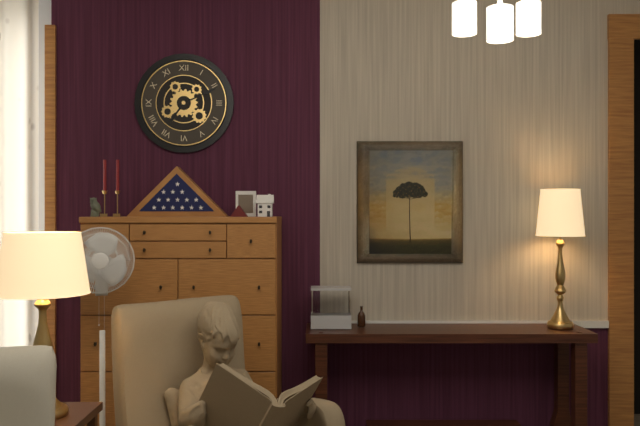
7:11
